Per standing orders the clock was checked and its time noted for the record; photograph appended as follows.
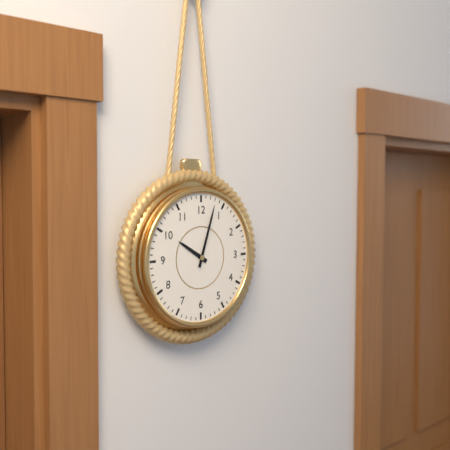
10:03
